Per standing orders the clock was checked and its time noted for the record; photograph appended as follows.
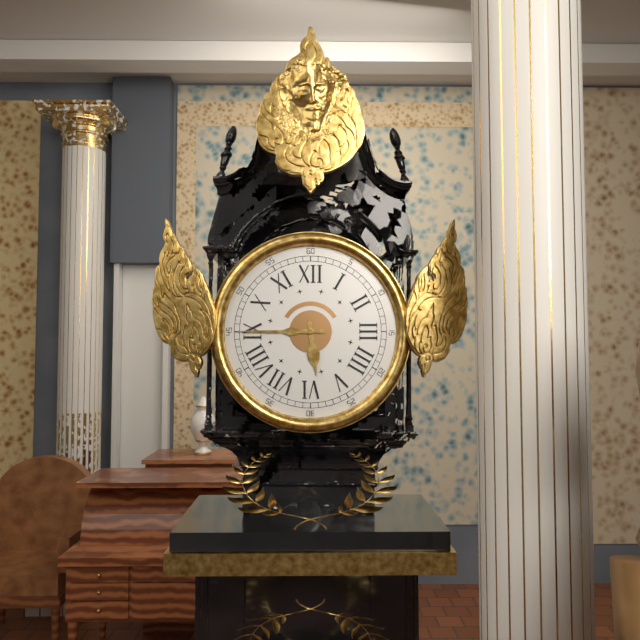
5:45
